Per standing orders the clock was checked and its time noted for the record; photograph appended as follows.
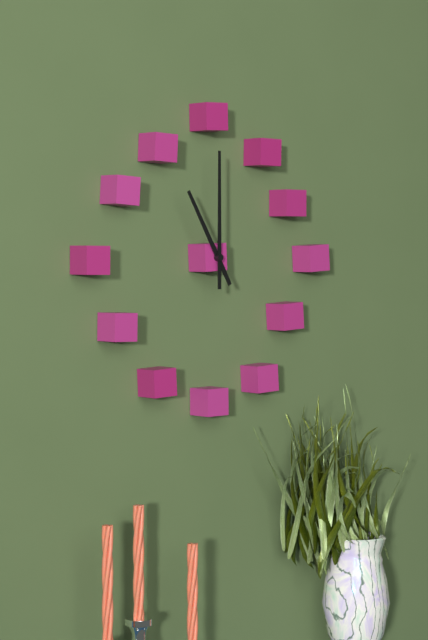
11:00
